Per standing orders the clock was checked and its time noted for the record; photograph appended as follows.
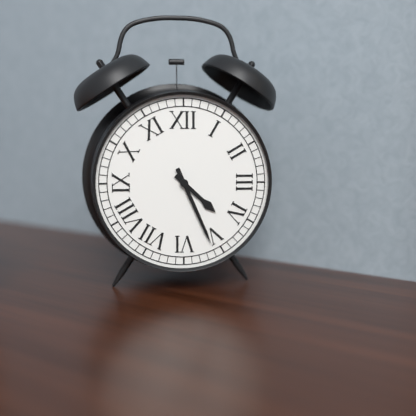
4:26
